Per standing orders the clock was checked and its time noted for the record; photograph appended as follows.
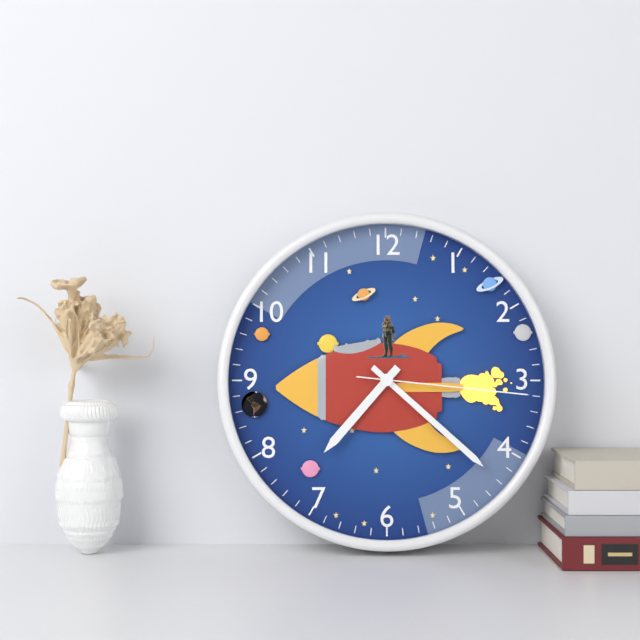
7:22:16
